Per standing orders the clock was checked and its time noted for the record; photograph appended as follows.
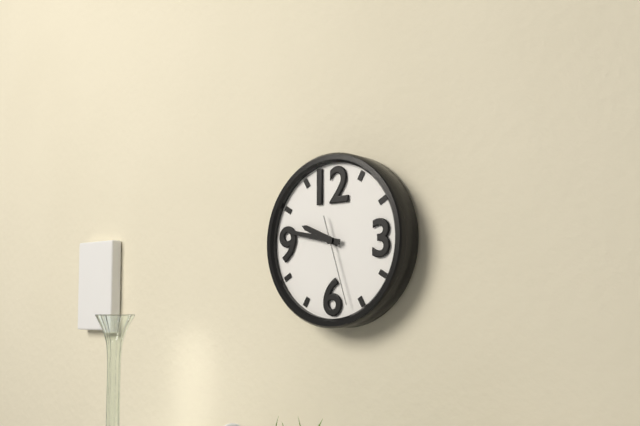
9:47:27
